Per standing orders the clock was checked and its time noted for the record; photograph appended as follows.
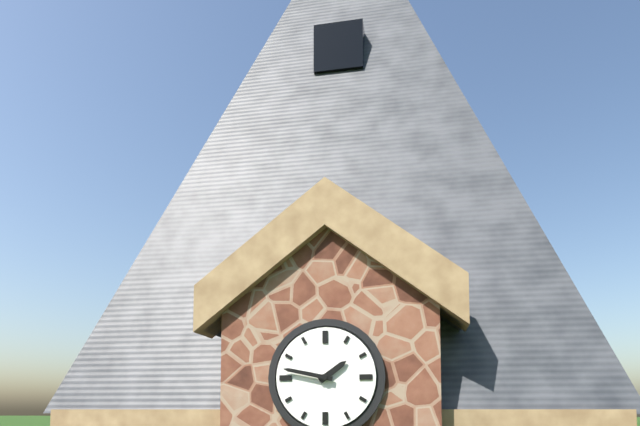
1:47
